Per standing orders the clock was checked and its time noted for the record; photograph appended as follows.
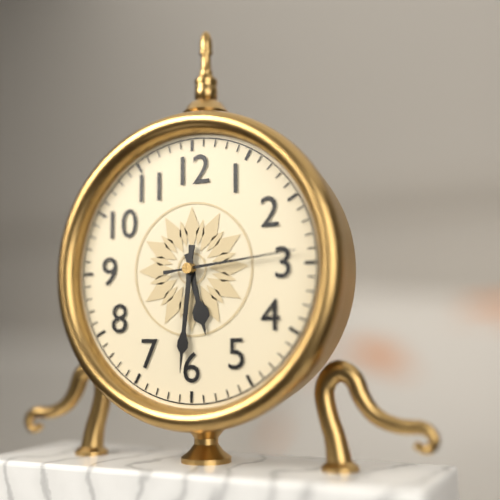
5:31:14
